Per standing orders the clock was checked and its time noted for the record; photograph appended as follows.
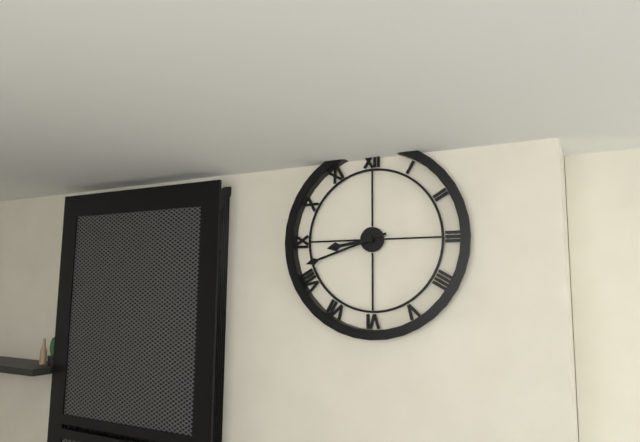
8:42
